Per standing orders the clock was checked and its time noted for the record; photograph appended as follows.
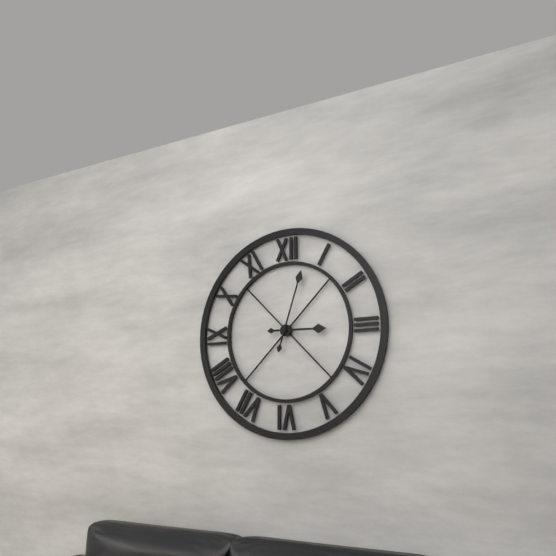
3:03
